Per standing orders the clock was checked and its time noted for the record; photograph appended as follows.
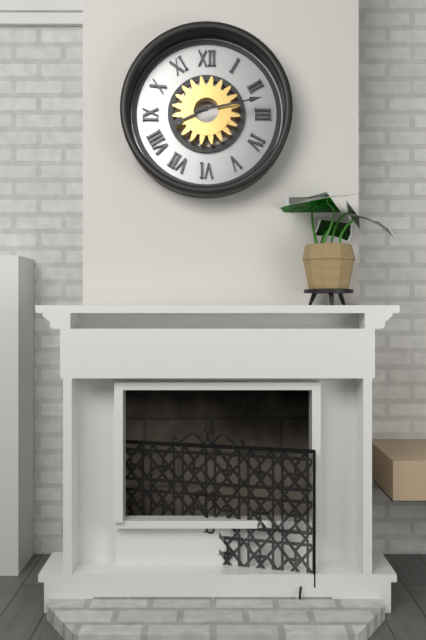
8:13
